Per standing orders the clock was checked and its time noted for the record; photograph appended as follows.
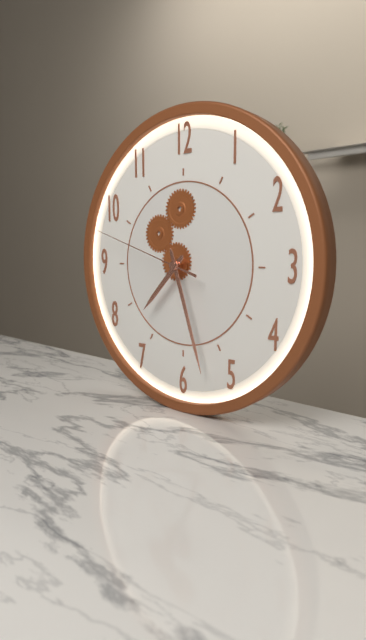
7:27:48
